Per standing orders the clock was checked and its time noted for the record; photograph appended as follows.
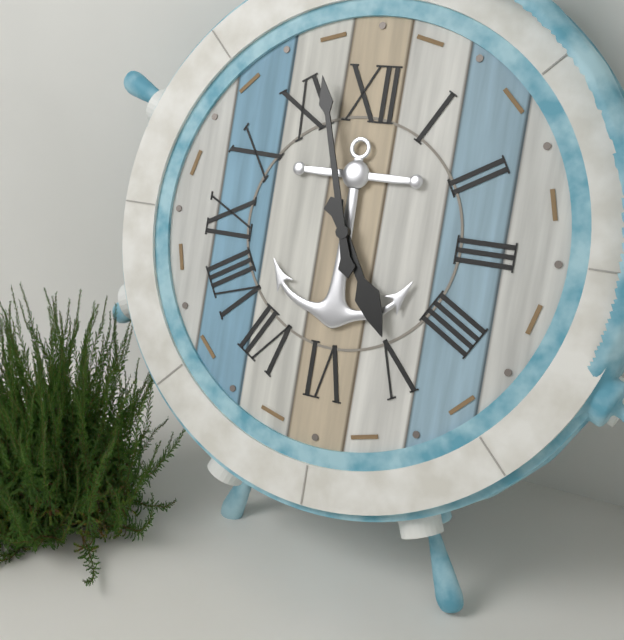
4:57
